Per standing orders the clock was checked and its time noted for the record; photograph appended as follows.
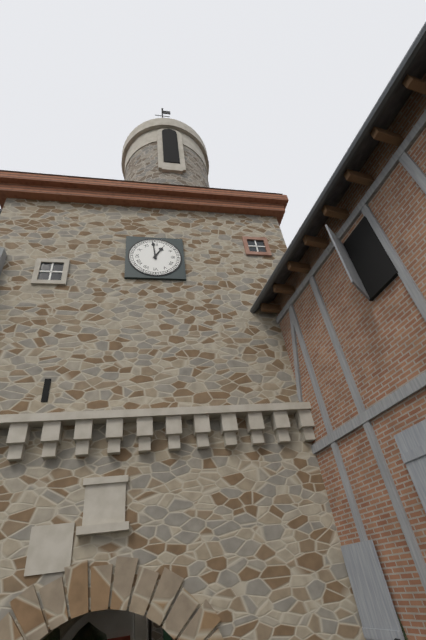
12:59
